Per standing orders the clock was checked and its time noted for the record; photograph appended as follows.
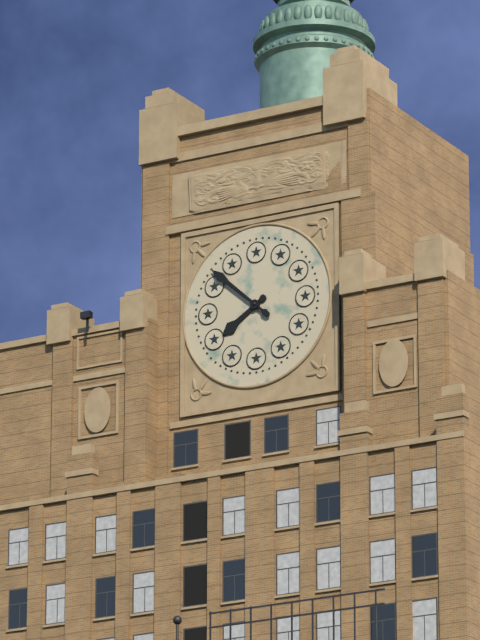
7:52
